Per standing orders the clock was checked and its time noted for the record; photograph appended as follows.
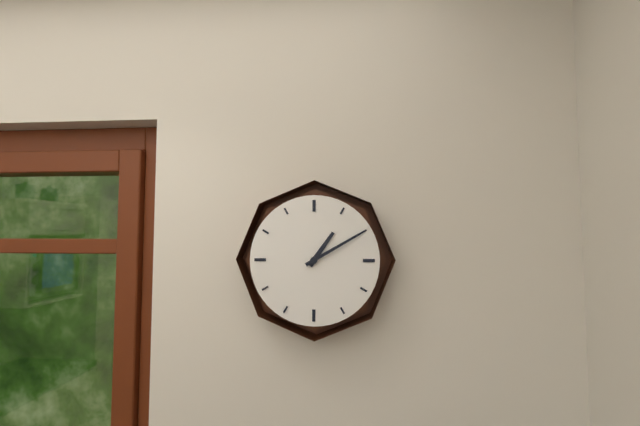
1:10
